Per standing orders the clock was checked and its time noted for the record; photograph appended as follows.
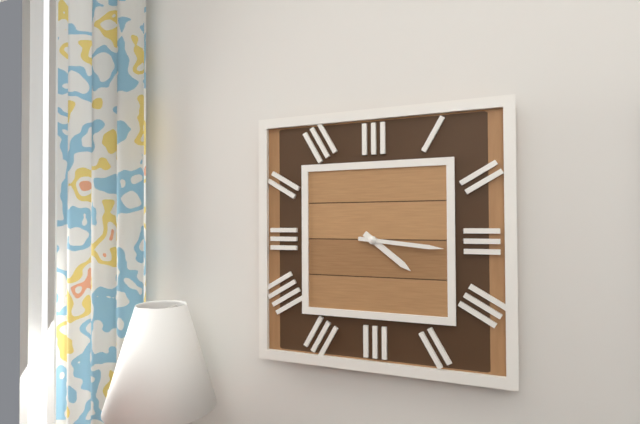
4:16
